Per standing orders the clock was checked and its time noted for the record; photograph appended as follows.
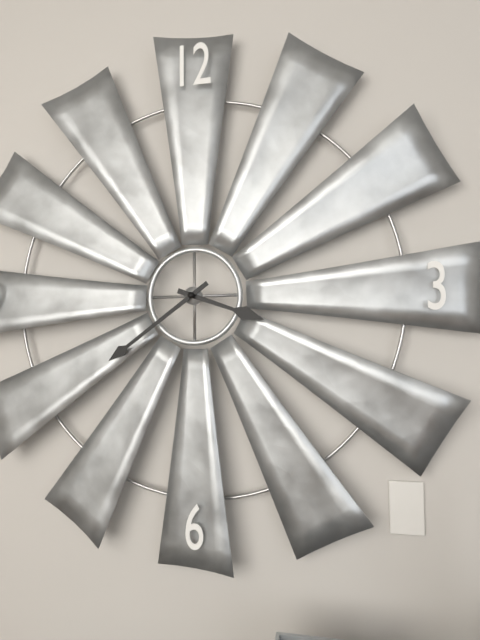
3:39
